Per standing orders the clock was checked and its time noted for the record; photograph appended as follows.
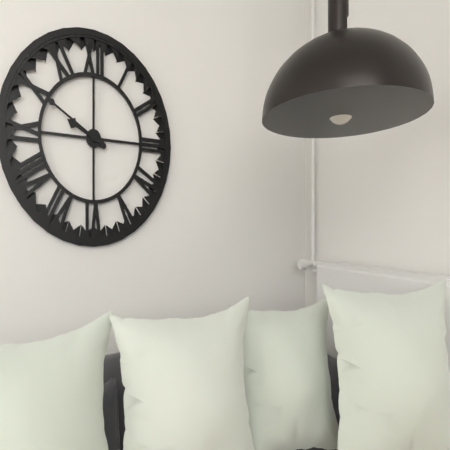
9:50
